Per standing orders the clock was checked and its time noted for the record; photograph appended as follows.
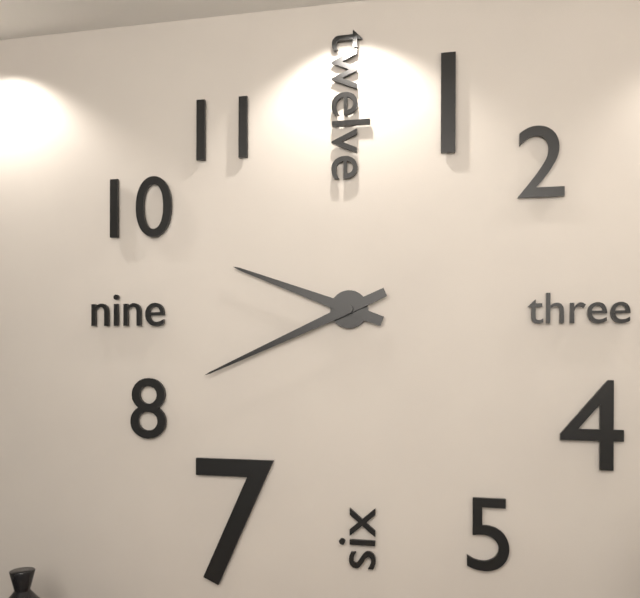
9:41
